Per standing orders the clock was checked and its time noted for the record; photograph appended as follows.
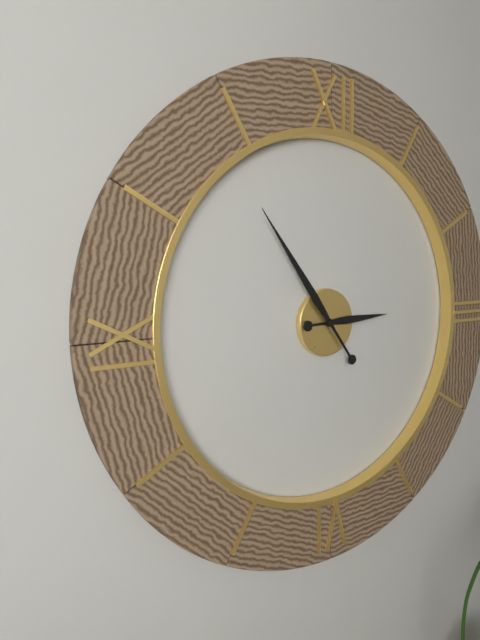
2:54
